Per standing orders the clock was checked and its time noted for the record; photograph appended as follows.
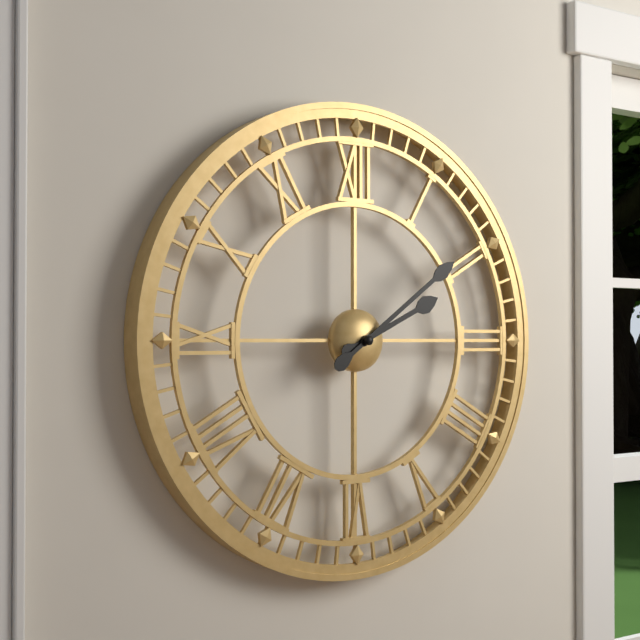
2:09
